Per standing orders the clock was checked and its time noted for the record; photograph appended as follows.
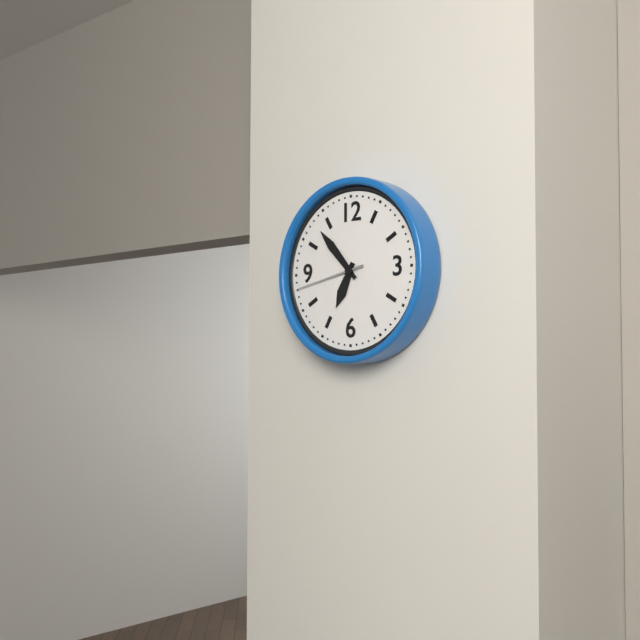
6:53:43
